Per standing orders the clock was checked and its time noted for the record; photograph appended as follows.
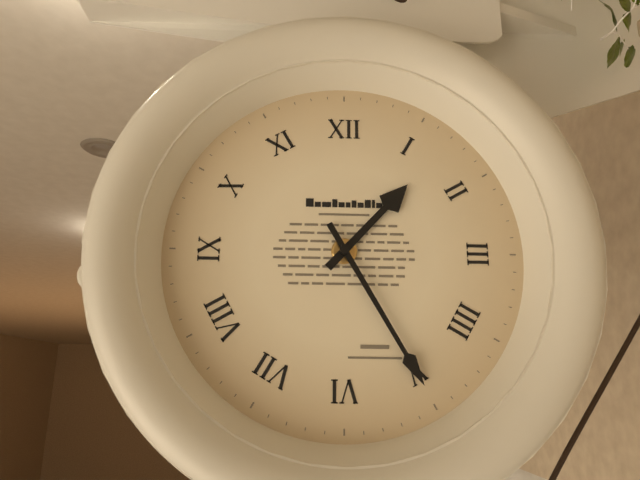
1:25
